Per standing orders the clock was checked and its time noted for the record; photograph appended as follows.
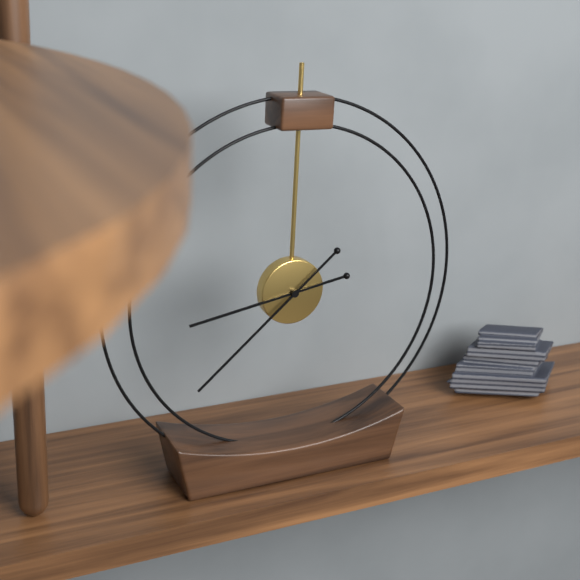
8:38
